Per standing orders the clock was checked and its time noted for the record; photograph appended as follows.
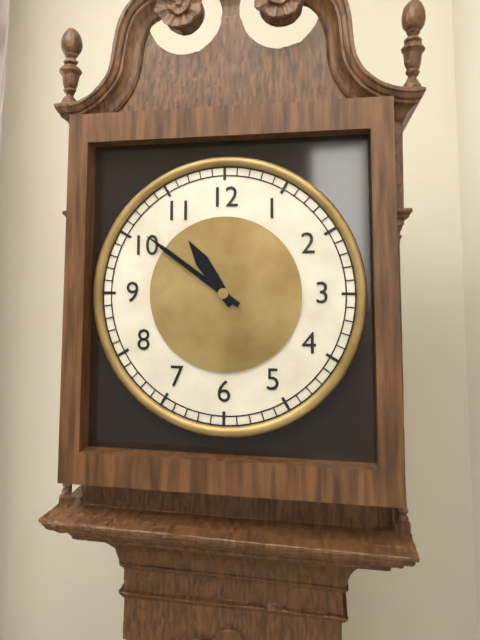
10:51
